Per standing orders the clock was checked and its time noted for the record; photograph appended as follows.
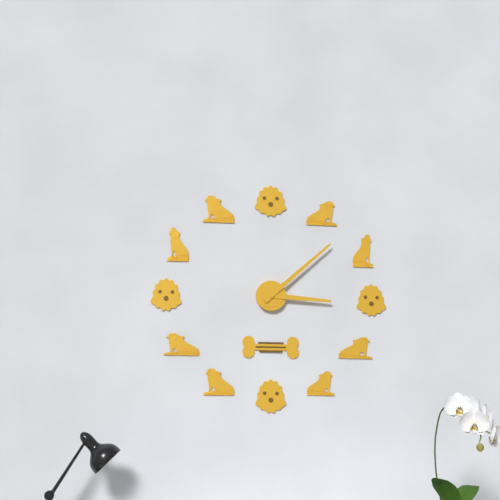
3:08
